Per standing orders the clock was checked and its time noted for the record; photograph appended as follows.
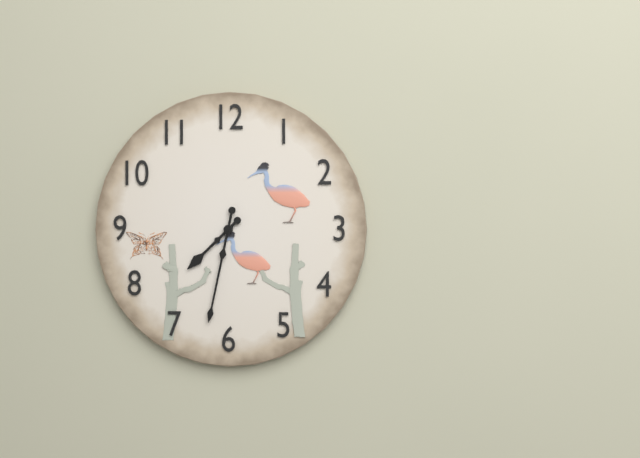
7:32
